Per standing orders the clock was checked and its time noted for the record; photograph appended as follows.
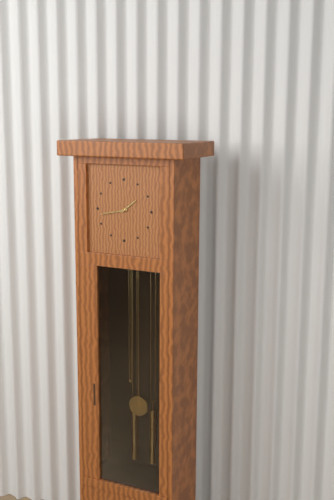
1:43
